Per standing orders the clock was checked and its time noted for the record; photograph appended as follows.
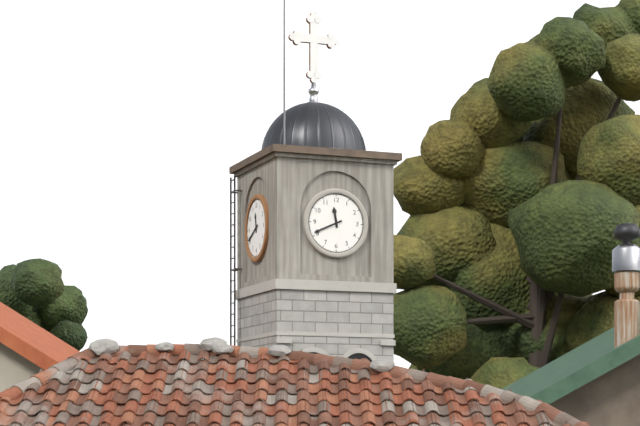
11:41
